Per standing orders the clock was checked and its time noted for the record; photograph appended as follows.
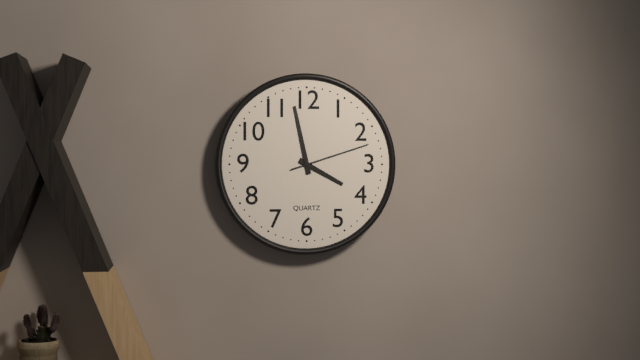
3:58:12
